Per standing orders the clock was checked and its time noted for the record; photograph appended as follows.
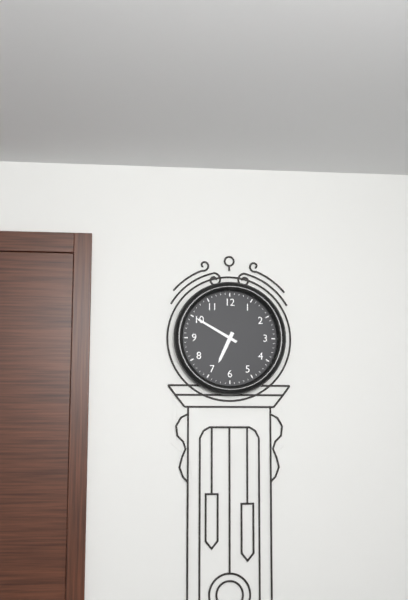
6:50
